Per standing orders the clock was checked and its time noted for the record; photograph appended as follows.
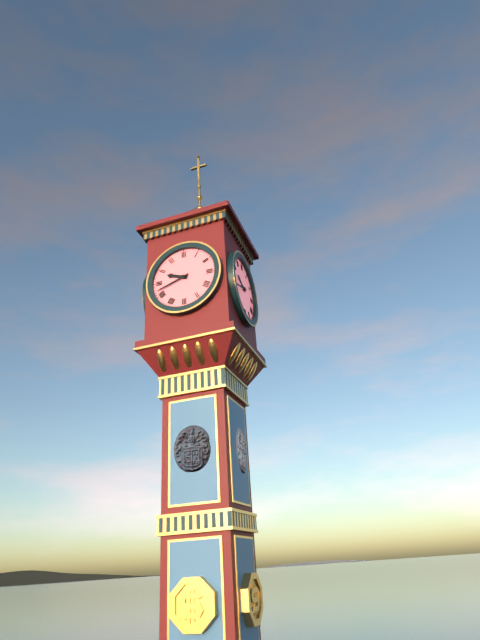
9:42
